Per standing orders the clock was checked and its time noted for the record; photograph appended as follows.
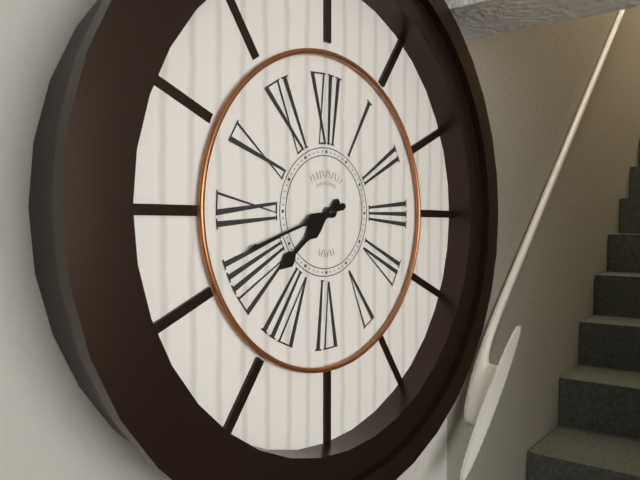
7:42
